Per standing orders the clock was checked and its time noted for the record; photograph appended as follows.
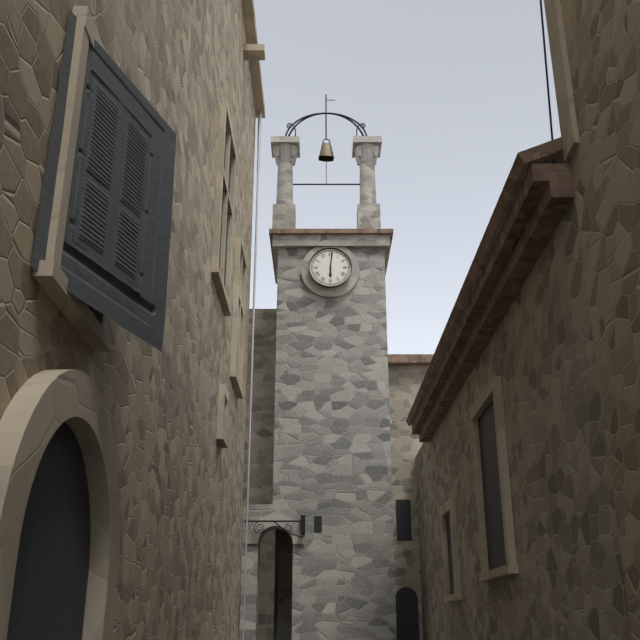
6:01
